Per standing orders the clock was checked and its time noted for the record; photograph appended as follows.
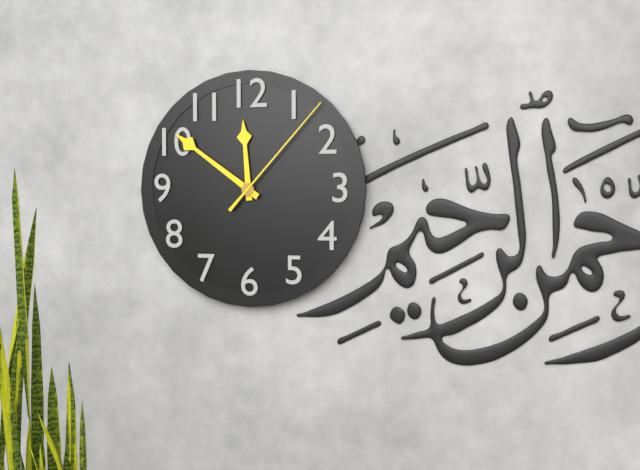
11:51:07
